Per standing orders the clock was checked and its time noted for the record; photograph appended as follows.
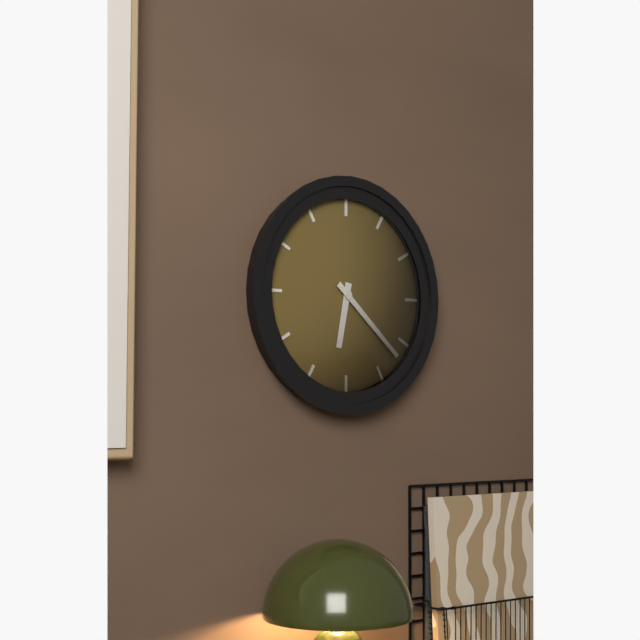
6:22
